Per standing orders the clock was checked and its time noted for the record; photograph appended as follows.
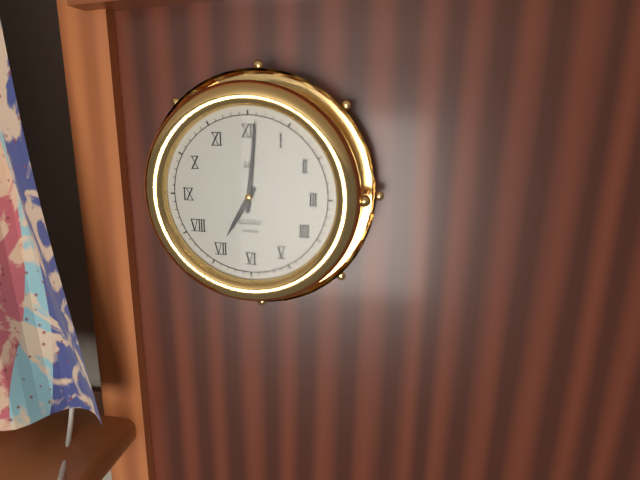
7:01
